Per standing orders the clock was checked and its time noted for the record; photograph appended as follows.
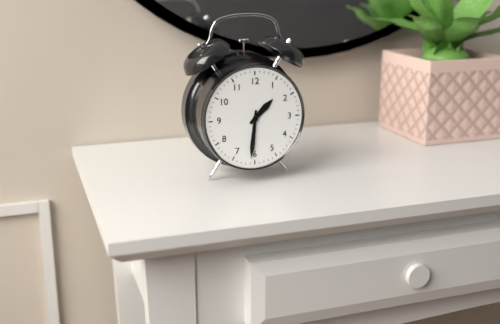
1:31
